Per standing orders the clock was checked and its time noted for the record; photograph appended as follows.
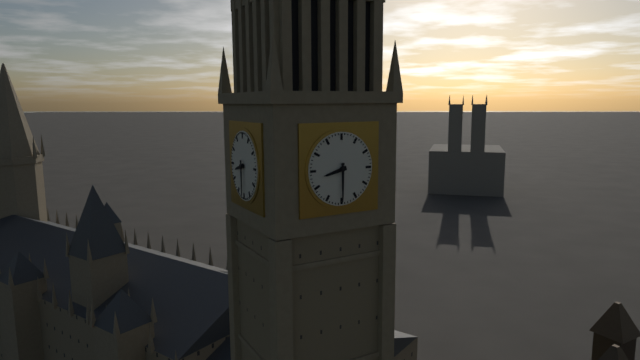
8:30
